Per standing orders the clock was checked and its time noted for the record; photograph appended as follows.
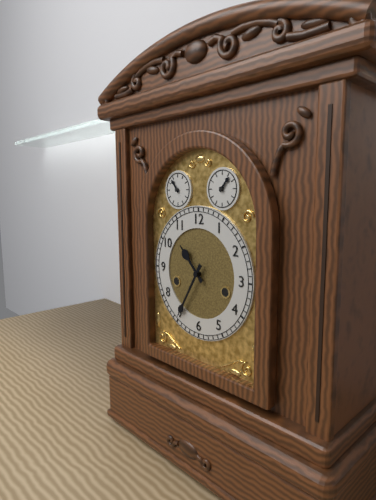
10:35
